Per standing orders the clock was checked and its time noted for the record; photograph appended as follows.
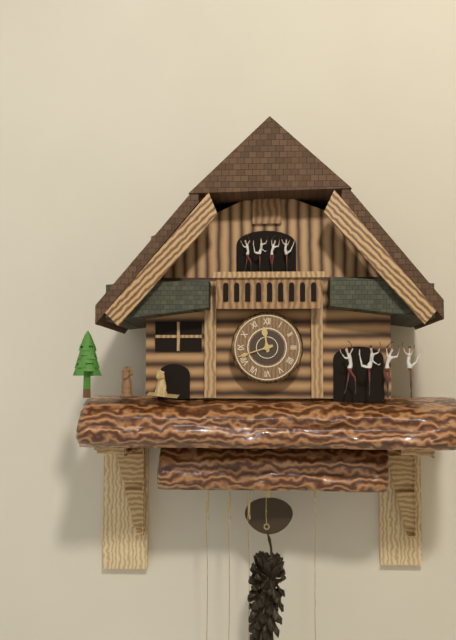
11:42
